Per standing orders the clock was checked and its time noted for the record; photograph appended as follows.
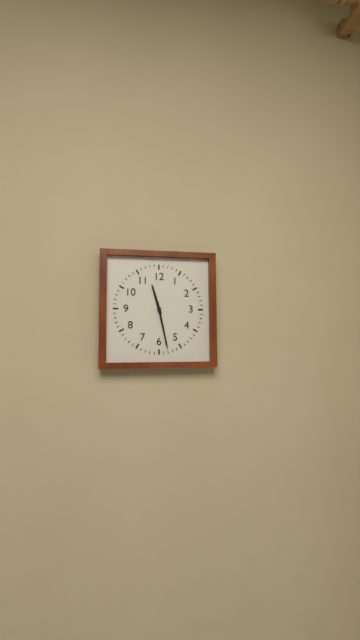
11:28
